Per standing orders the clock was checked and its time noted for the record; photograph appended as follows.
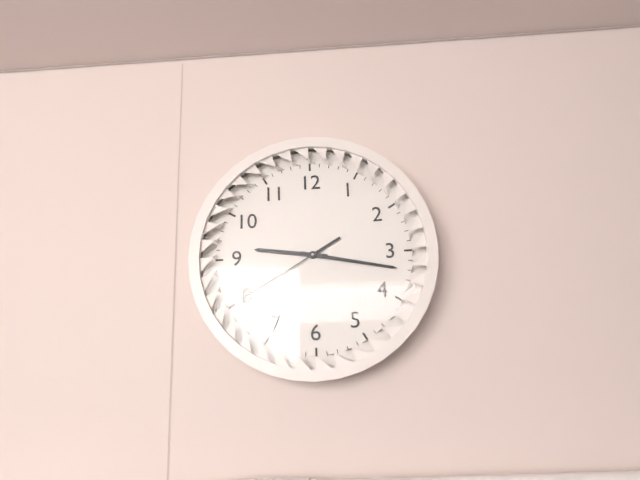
9:17:40
